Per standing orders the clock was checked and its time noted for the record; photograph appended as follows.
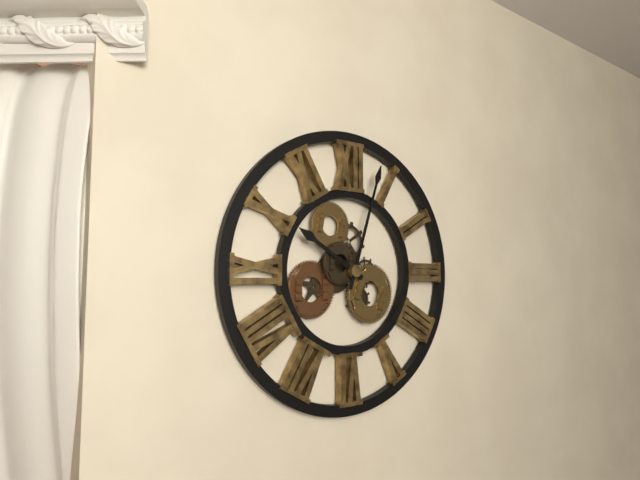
10:03
